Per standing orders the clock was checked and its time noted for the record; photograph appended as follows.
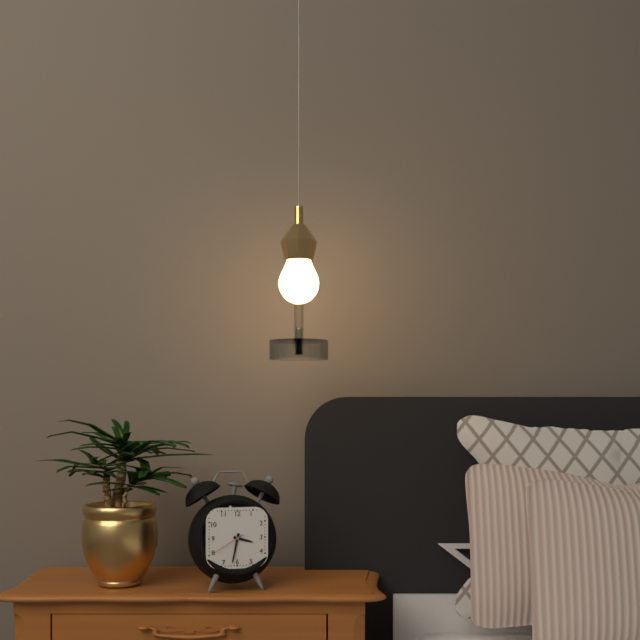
3:32
